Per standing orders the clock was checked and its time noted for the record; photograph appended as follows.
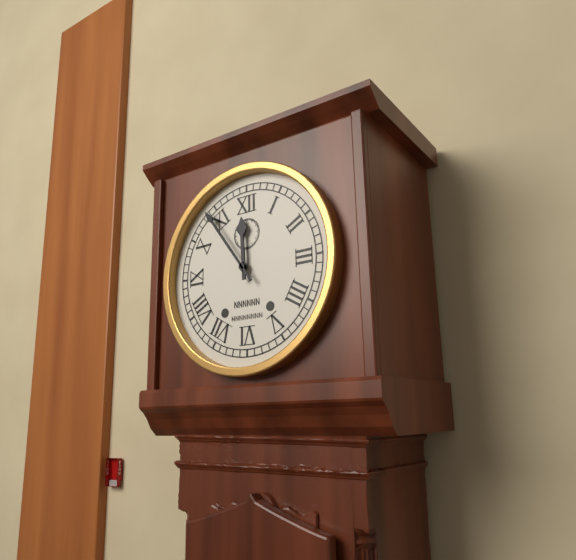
11:54
